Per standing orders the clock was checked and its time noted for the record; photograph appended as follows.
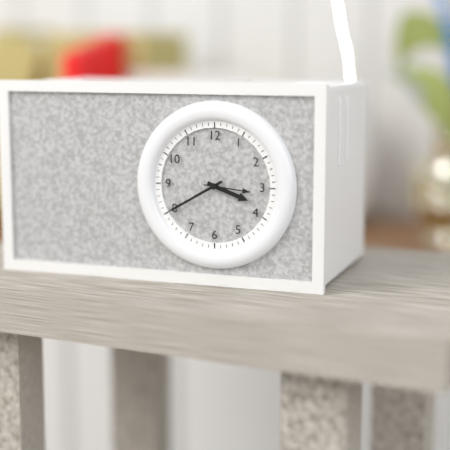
3:40
